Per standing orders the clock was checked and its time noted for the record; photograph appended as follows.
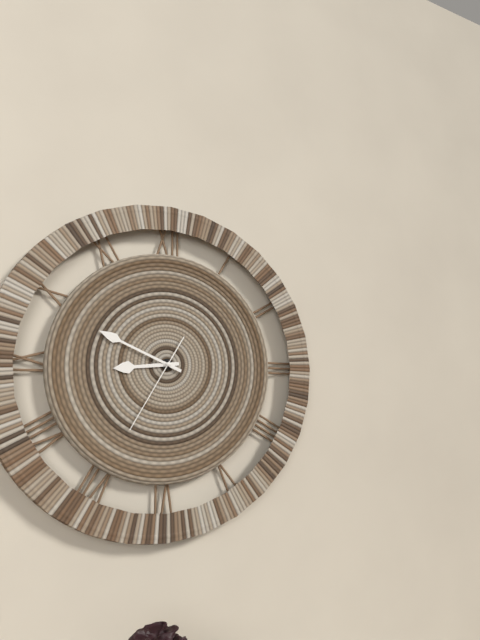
8:49:35
